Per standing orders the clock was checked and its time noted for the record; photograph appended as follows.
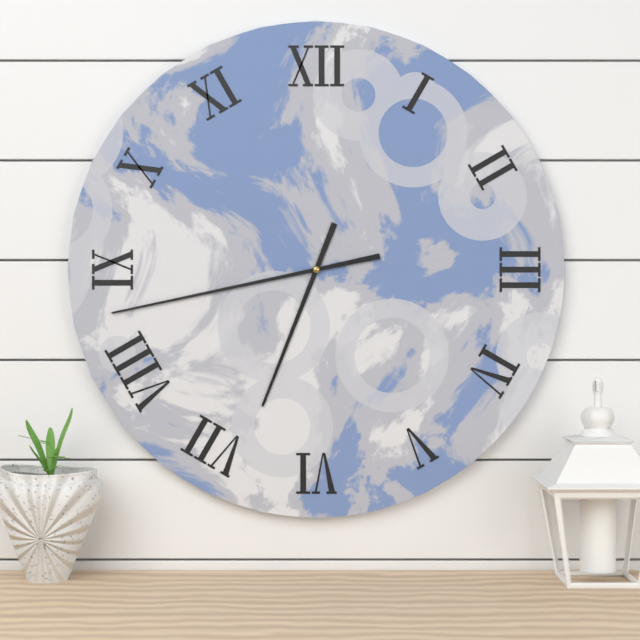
6:43
